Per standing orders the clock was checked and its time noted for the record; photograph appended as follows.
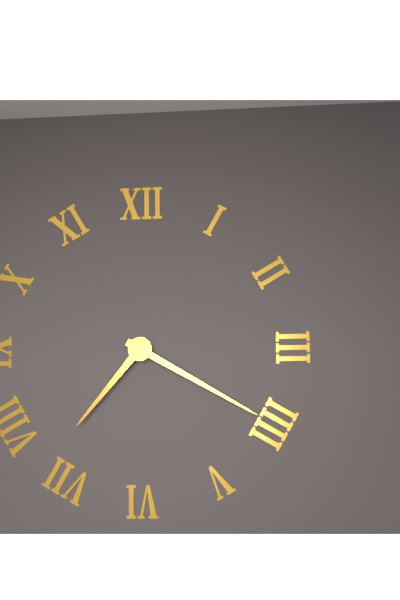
7:20
